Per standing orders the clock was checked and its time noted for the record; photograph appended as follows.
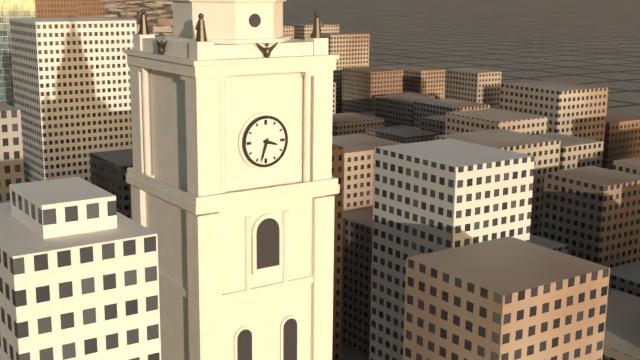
3:33
